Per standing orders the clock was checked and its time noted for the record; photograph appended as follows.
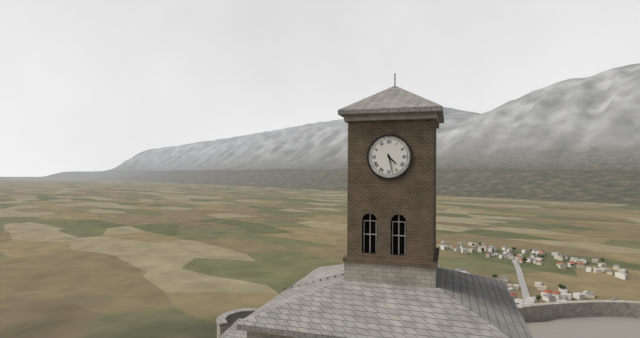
4:28
